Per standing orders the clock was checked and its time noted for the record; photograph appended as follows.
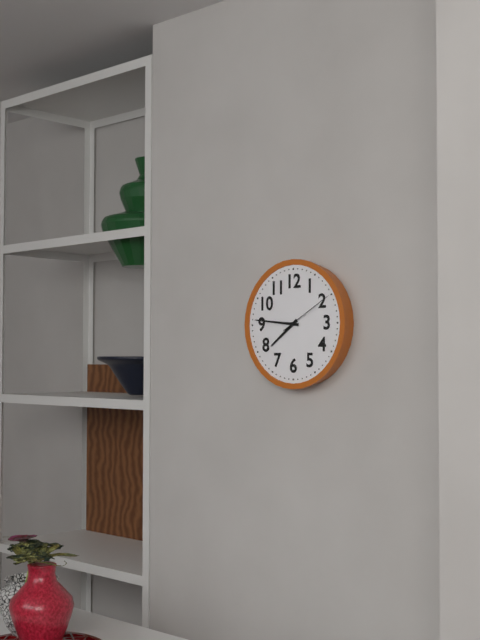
7:46:10
